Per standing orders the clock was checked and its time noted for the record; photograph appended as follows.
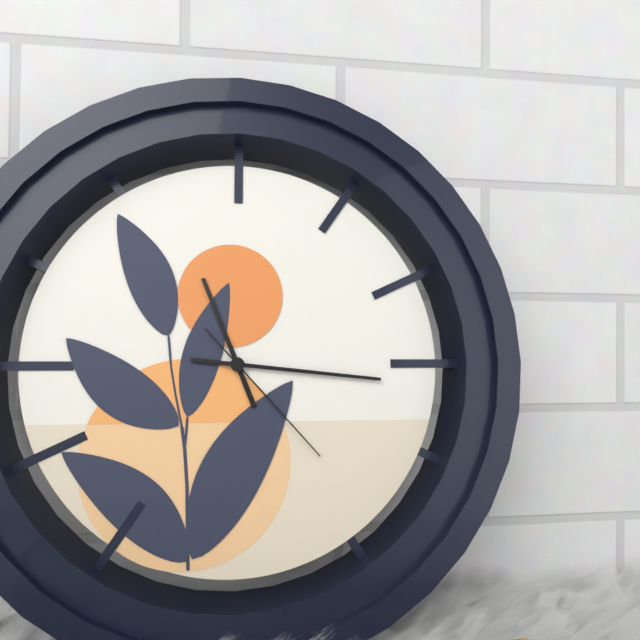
11:16:23
